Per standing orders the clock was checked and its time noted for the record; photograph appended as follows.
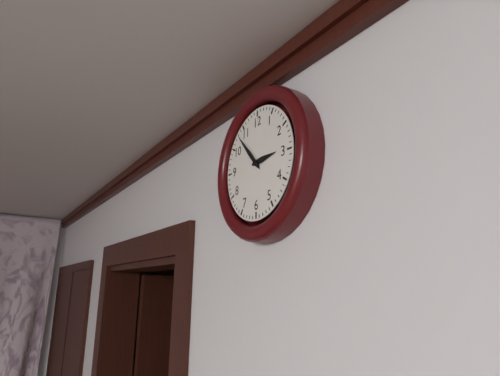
2:53
